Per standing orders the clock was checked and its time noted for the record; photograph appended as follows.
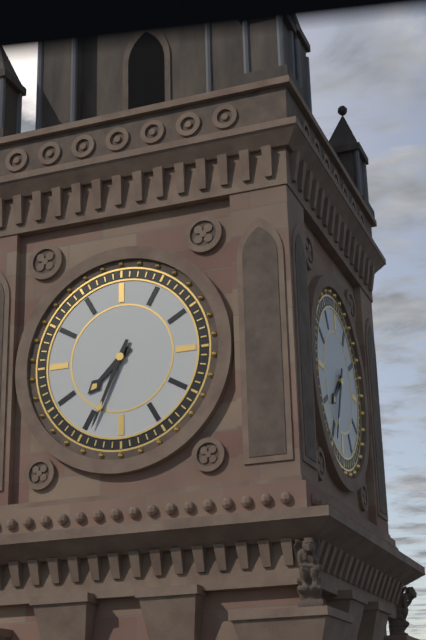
7:34
